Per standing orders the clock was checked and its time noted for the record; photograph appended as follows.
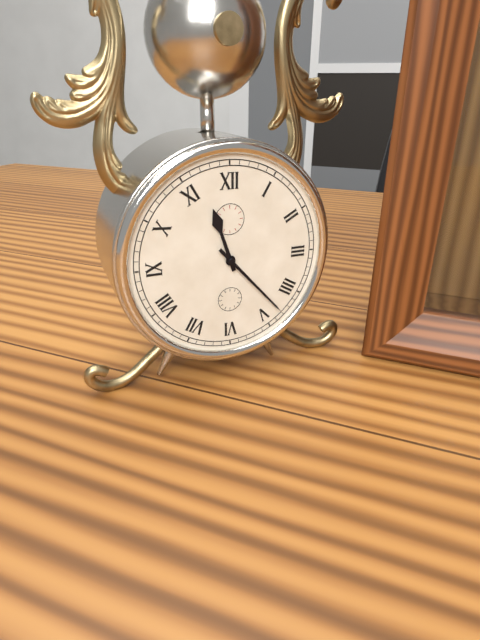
11:23
